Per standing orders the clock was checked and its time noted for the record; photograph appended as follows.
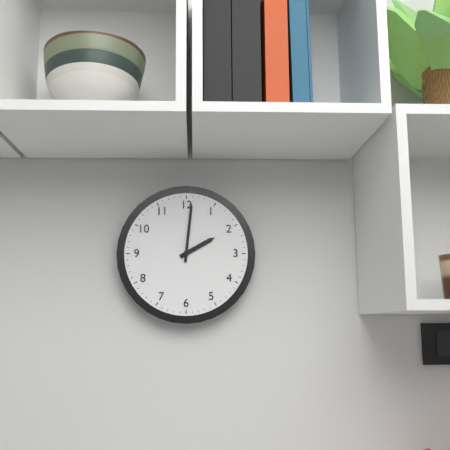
2:01
